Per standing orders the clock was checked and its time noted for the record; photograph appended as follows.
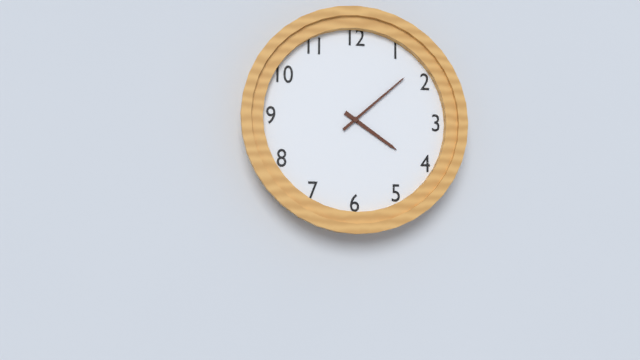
4:08
